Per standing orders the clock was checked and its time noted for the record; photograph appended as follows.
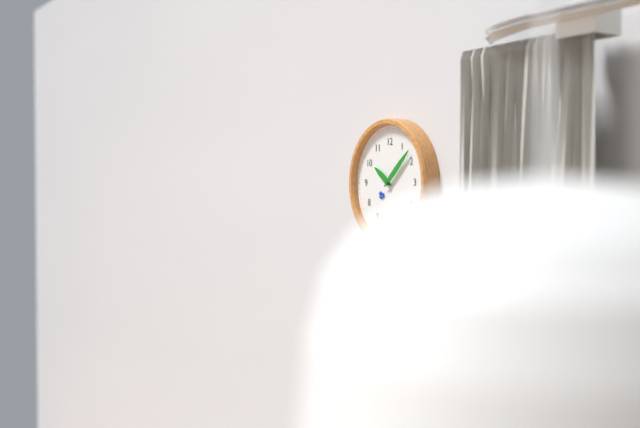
10:08
